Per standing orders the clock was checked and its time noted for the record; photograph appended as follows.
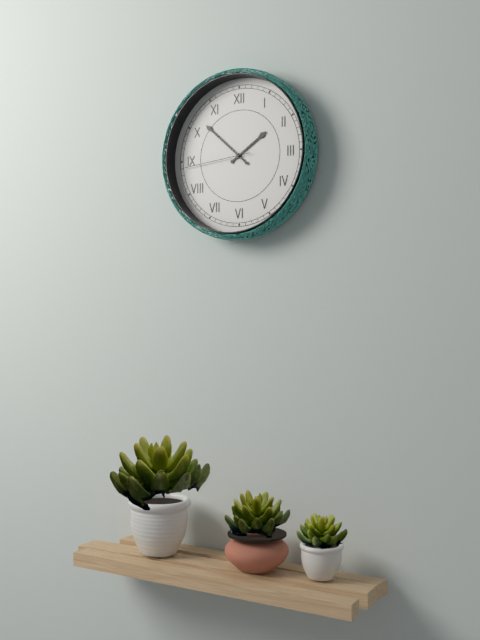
1:52:44
